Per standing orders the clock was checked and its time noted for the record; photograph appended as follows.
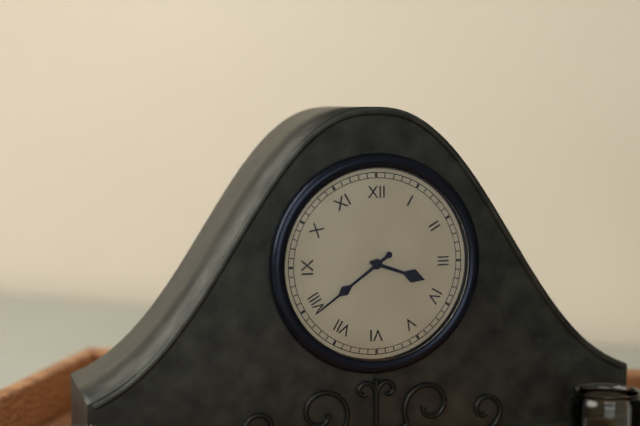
3:39
